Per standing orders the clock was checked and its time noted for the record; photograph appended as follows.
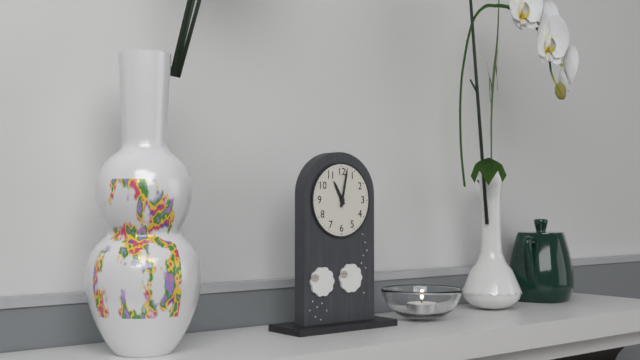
11:02
